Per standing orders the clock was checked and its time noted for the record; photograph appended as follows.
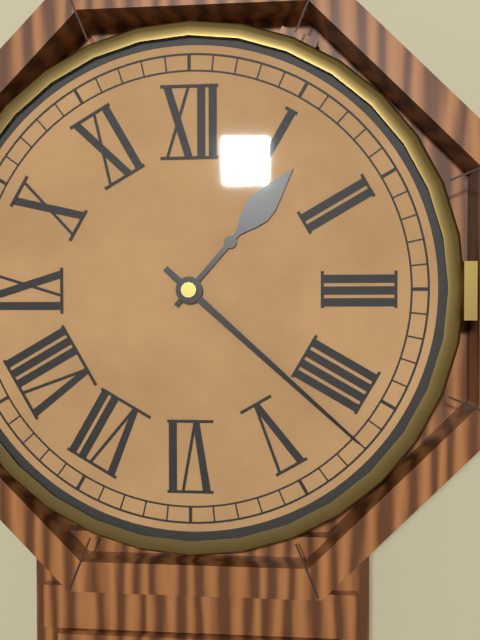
1:22
